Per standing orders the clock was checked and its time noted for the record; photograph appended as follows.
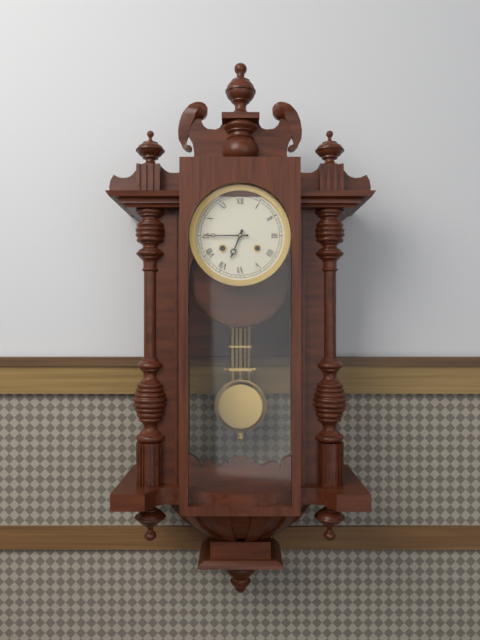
6:45
